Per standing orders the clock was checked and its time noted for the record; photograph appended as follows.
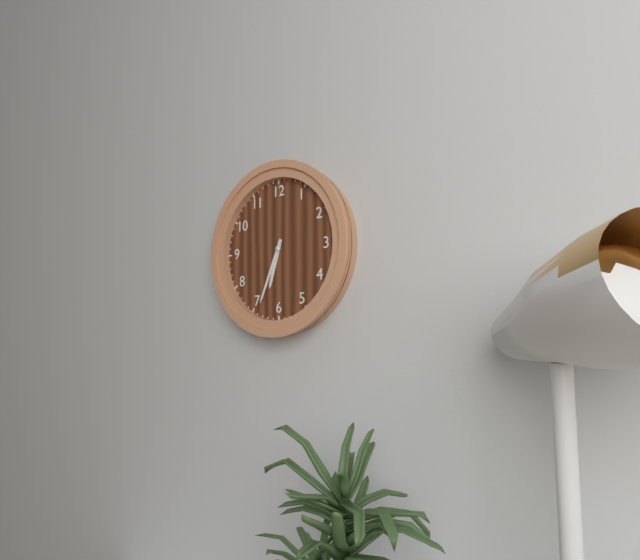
6:34
